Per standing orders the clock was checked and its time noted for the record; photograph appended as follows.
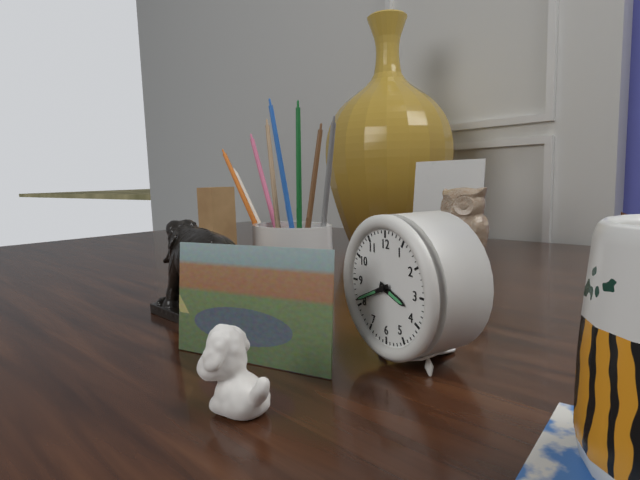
3:41
